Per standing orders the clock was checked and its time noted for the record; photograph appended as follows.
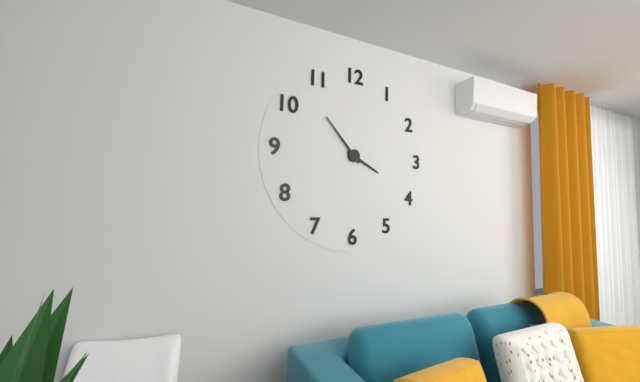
3:53
